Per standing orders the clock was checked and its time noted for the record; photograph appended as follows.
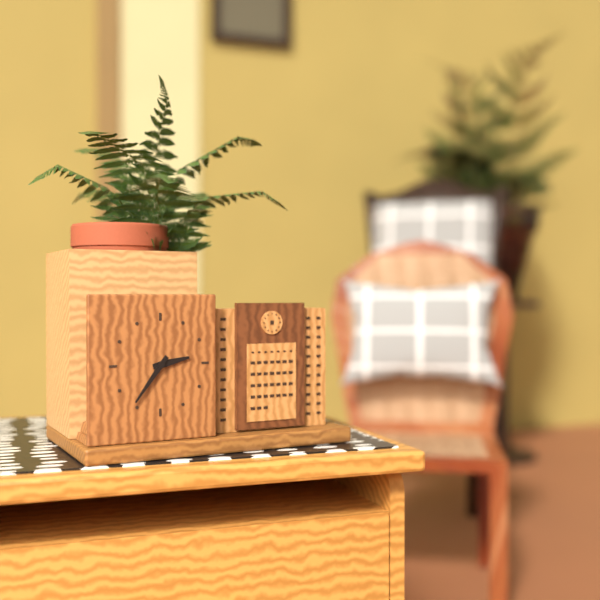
2:36
